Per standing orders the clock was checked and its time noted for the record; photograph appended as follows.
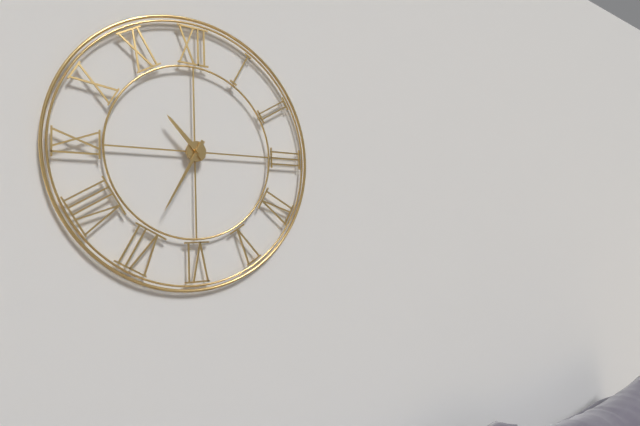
10:35
